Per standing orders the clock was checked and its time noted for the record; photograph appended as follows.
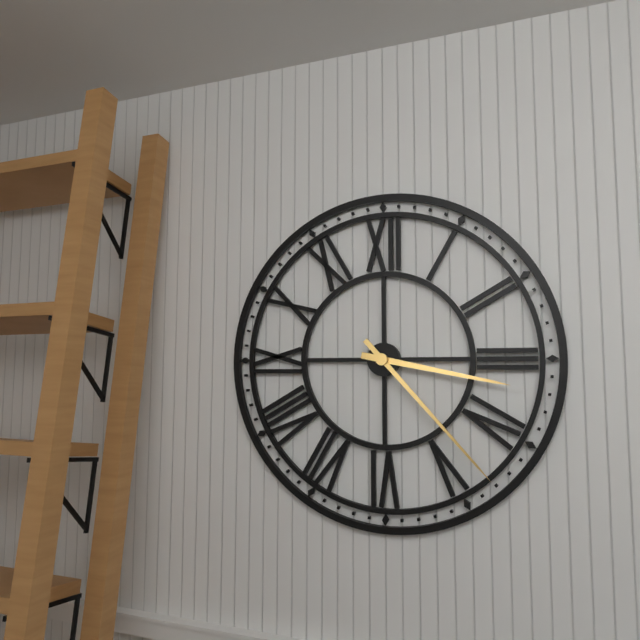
3:23
